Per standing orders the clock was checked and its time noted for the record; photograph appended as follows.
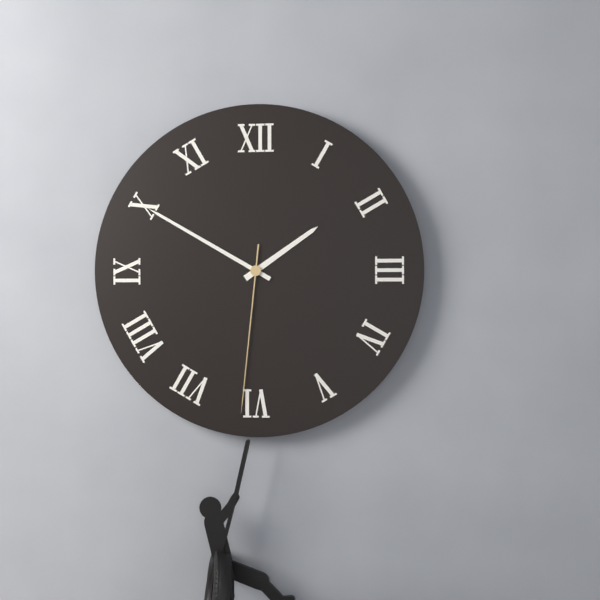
1:50:31
